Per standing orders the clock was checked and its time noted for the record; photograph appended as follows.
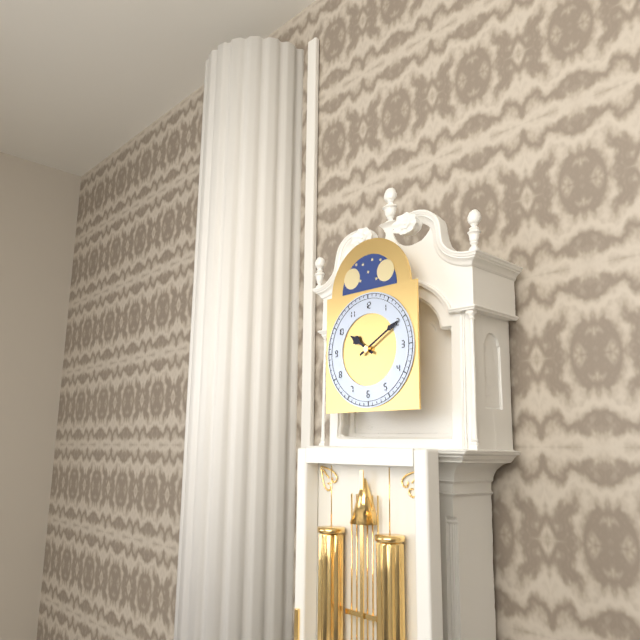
10:10
